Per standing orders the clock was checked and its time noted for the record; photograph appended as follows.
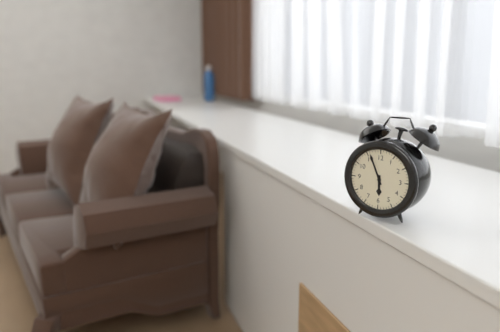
5:56
